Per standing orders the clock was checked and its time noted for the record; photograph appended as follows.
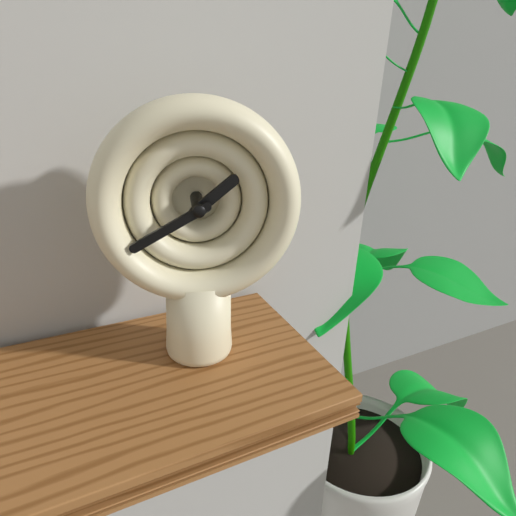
1:40
